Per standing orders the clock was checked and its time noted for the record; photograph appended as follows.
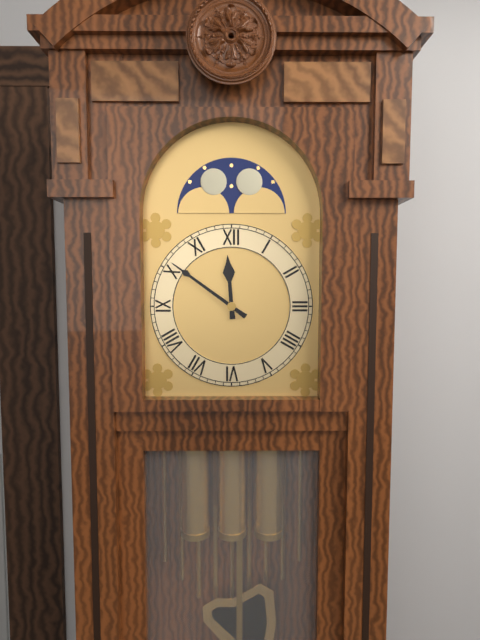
11:51
